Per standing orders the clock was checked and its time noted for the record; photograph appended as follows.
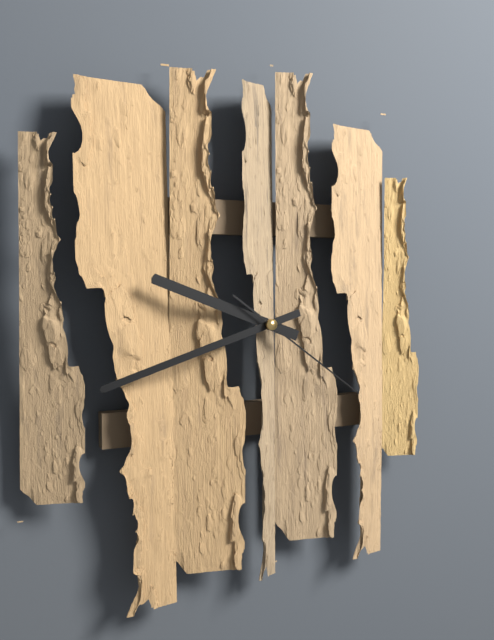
9:42:21
